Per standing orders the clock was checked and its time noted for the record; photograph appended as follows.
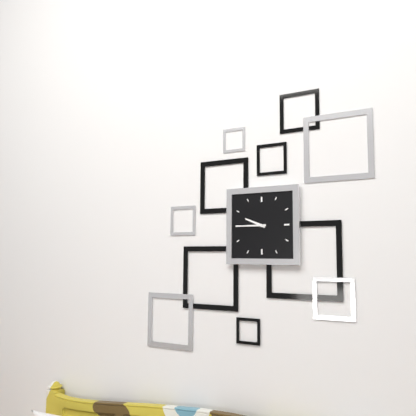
9:45
